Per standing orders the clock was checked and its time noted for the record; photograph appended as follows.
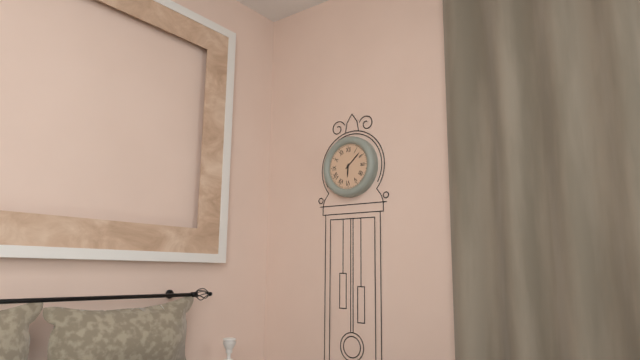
6:08
